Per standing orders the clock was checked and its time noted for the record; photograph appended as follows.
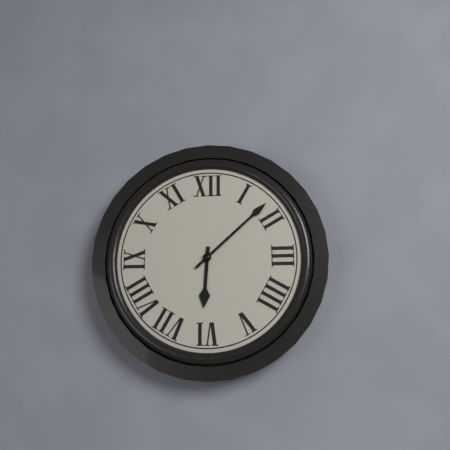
6:08
